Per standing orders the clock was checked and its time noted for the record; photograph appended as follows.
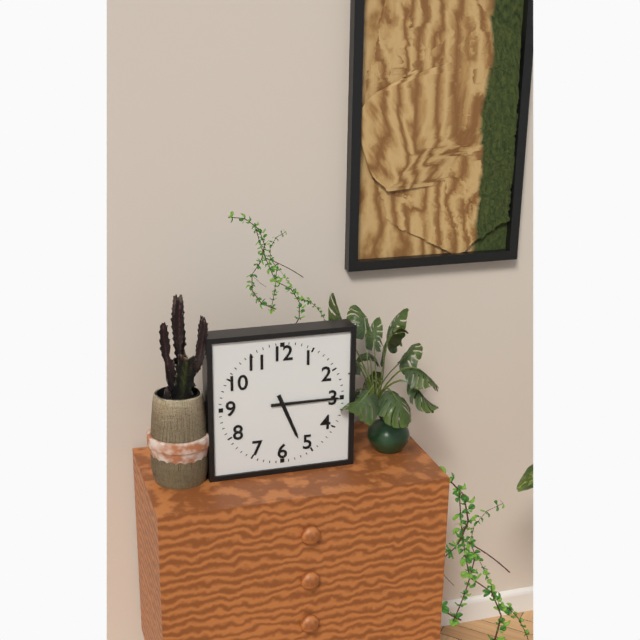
5:15
